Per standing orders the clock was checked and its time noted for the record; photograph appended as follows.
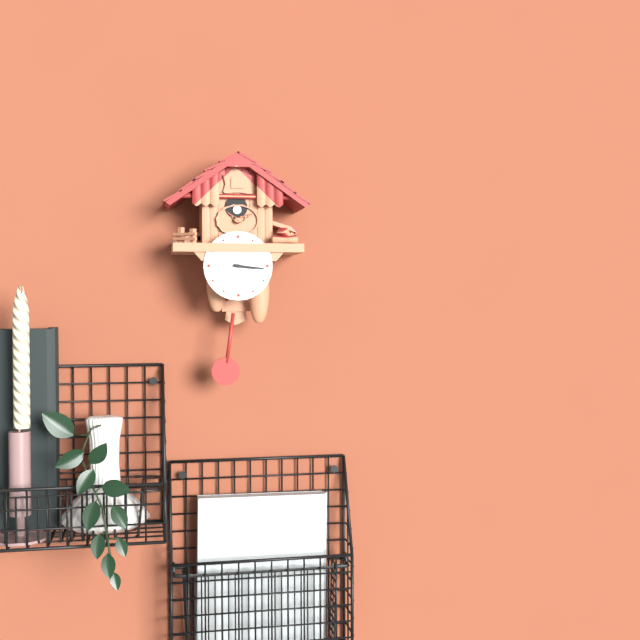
3:16
